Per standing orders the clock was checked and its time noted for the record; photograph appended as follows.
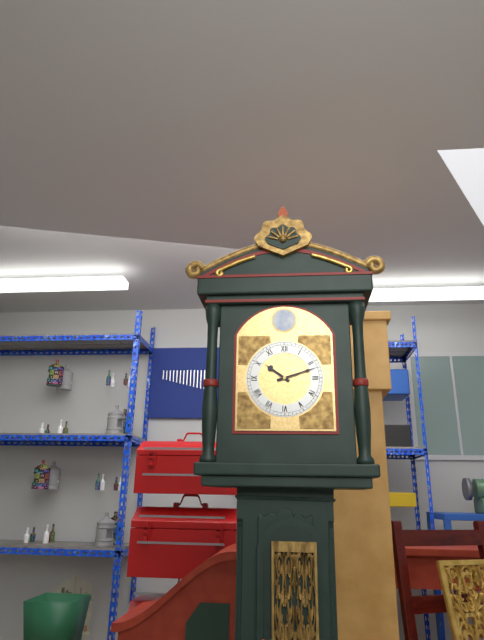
10:12
